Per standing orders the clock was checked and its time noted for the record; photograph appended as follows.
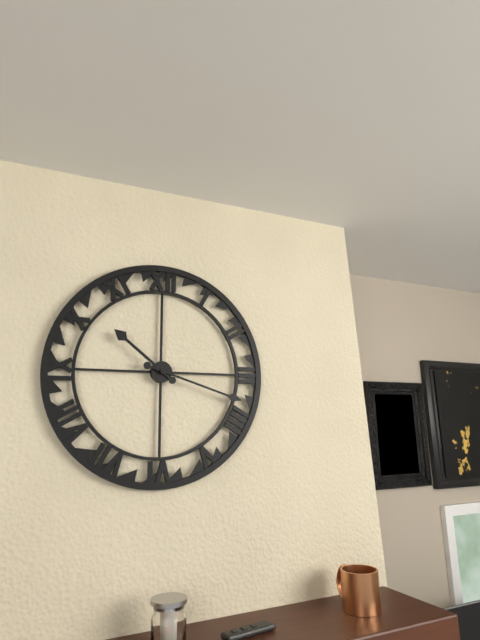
10:18
